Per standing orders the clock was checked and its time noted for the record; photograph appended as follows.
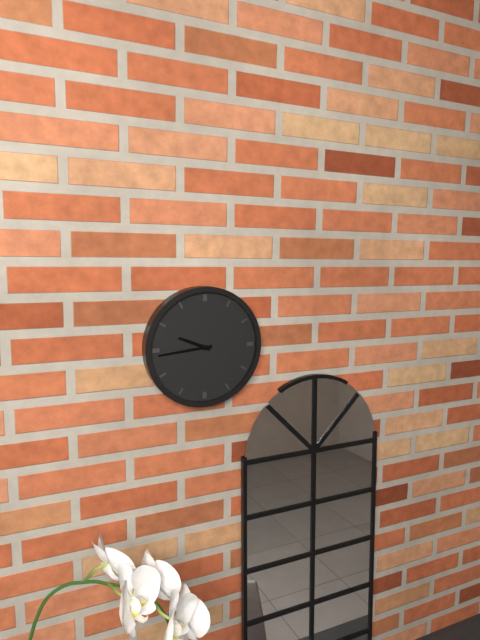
9:44
